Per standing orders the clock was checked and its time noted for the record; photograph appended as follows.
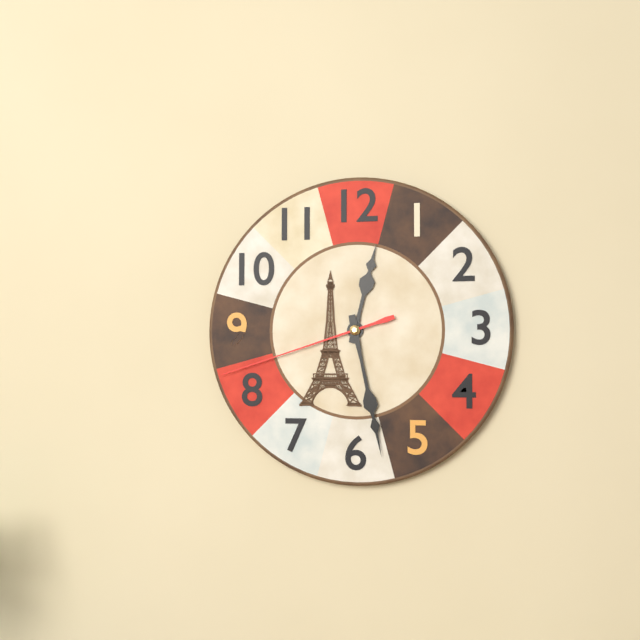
12:28:42
